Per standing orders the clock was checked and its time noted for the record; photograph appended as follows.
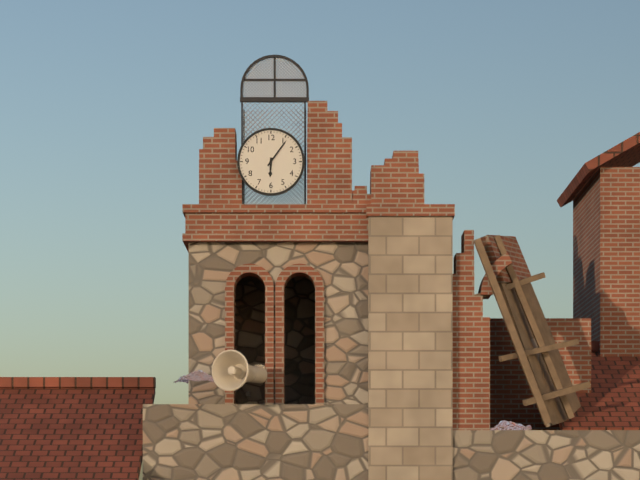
6:06
